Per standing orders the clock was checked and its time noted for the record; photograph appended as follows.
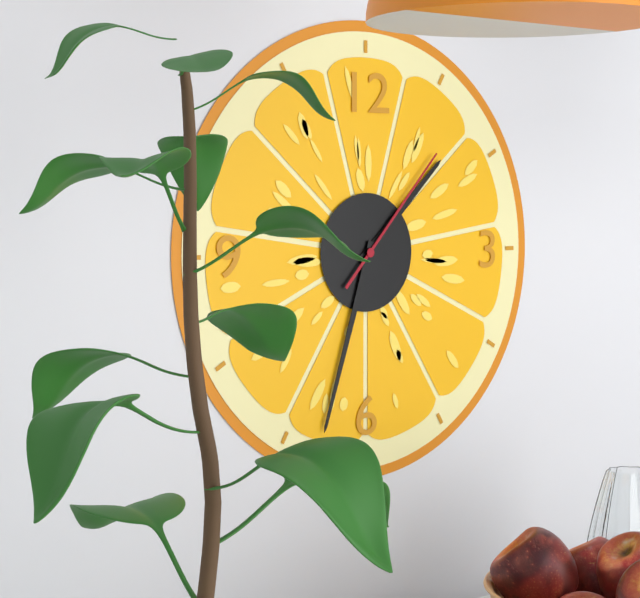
1:33:07
